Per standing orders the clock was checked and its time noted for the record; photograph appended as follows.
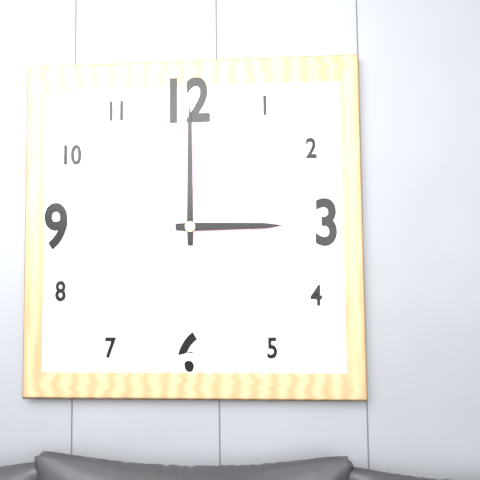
3:00
